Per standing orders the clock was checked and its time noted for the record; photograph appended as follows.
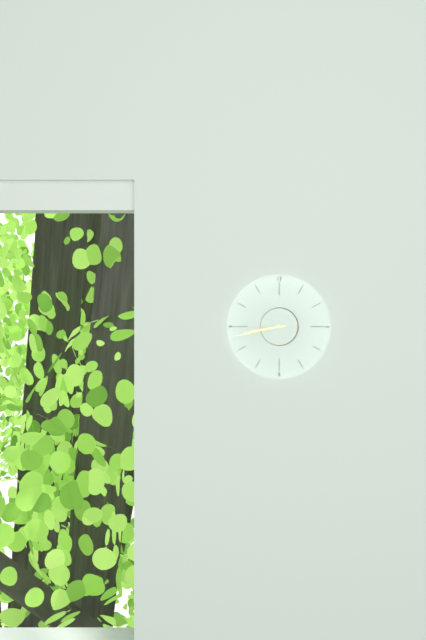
8:43
